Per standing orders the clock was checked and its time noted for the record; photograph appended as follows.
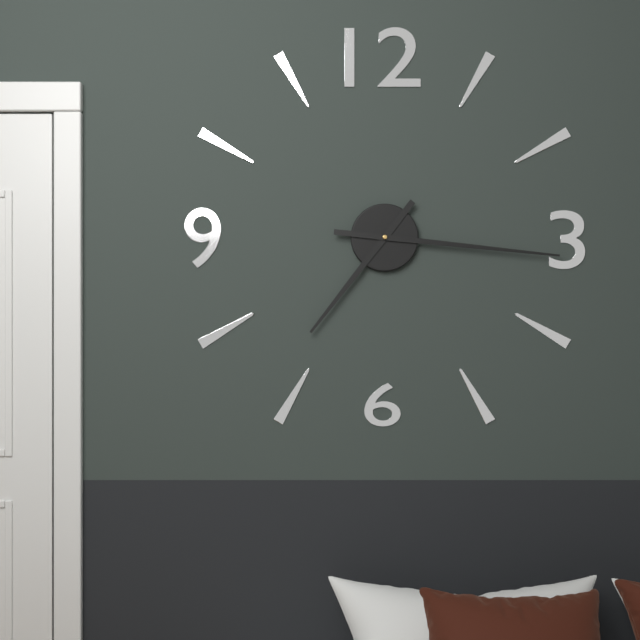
7:16
